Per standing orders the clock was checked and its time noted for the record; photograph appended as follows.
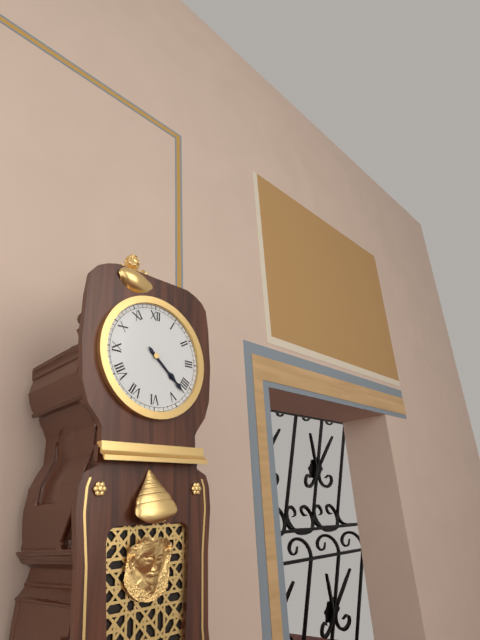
4:22
